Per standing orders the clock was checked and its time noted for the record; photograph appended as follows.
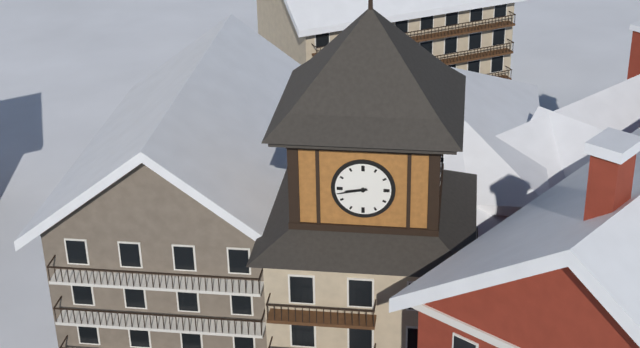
8:43
